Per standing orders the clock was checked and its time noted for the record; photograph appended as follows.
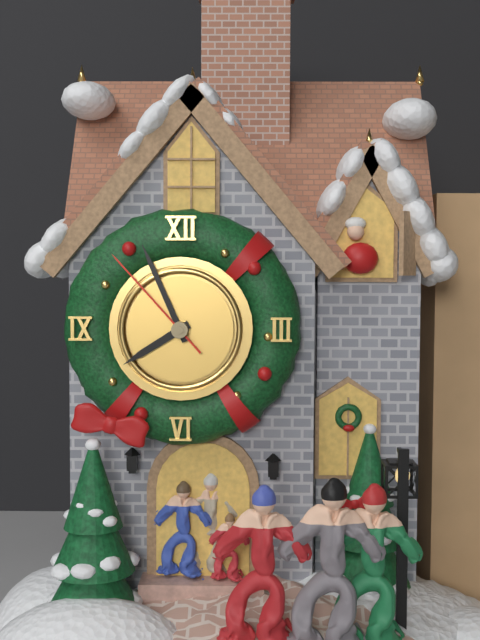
7:56:53
